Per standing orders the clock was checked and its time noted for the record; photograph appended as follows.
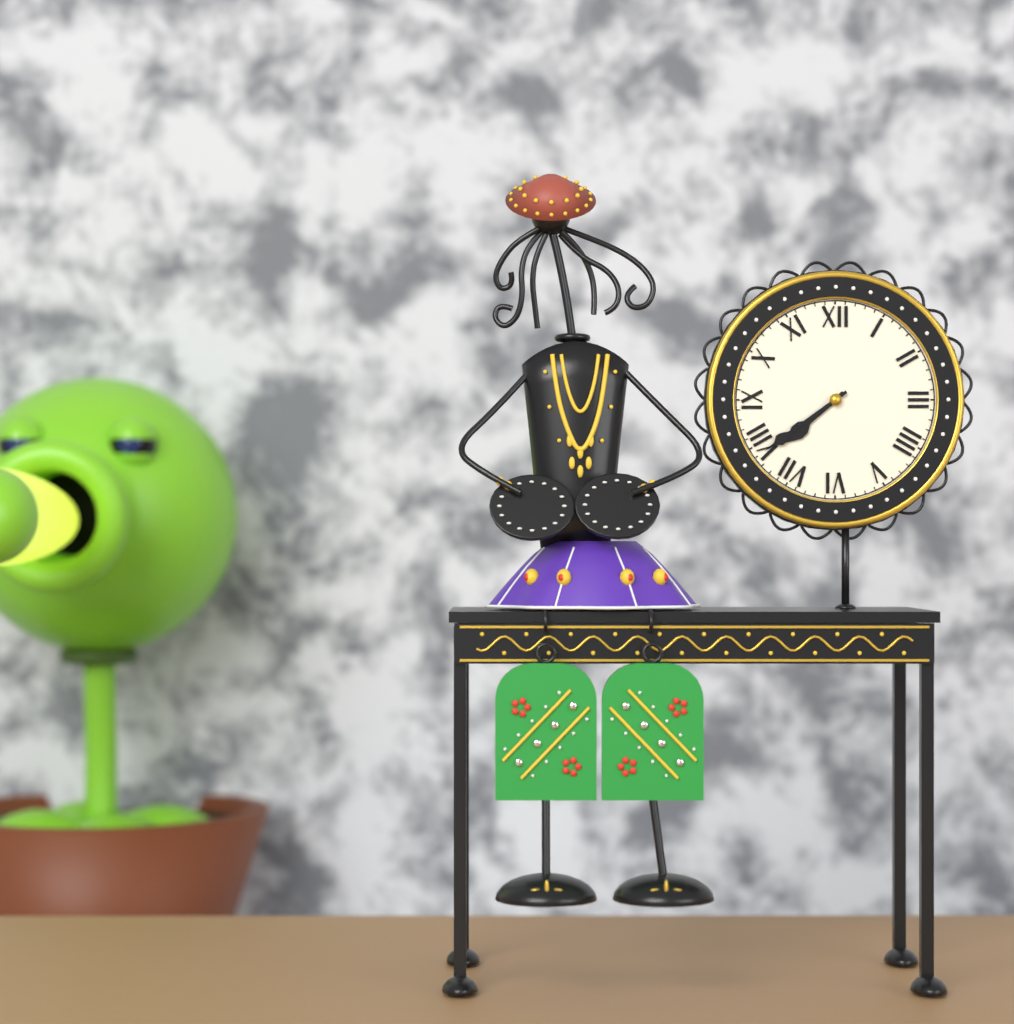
7:39
